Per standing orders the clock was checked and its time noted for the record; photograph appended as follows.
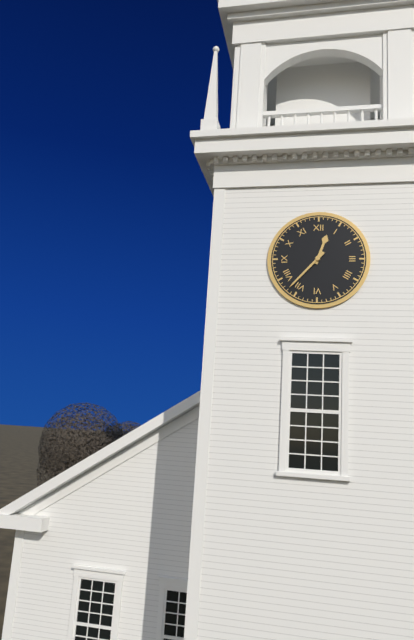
12:37
